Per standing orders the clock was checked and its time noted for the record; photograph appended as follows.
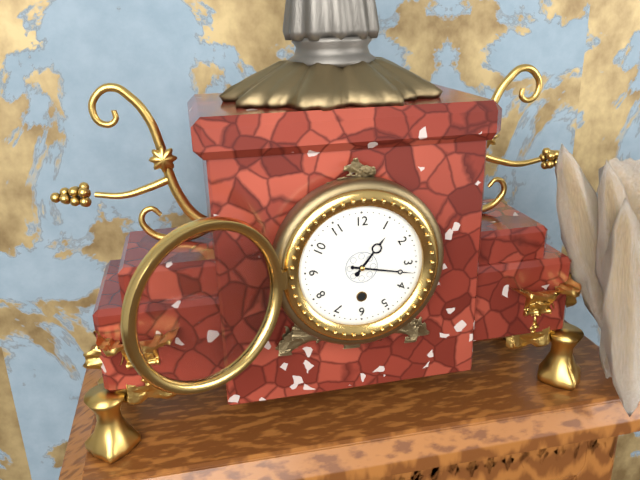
1:17
